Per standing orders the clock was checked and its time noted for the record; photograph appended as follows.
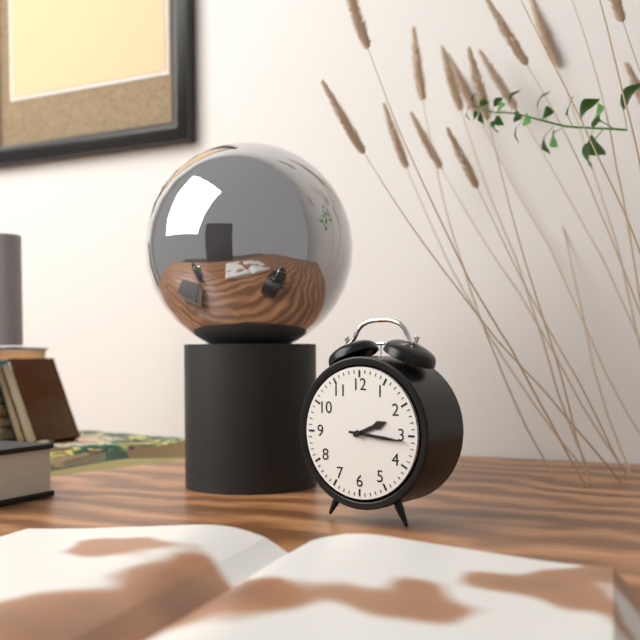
2:16
